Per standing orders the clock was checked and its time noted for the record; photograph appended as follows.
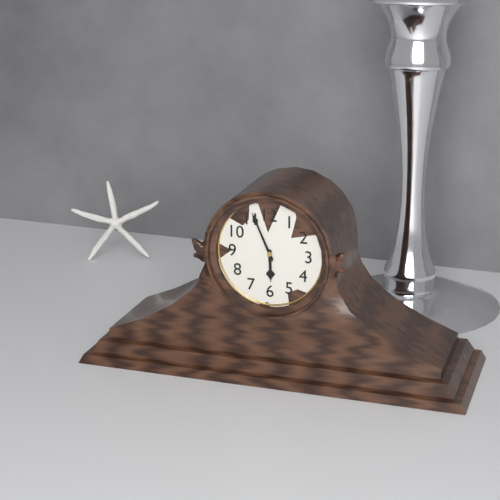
5:56
